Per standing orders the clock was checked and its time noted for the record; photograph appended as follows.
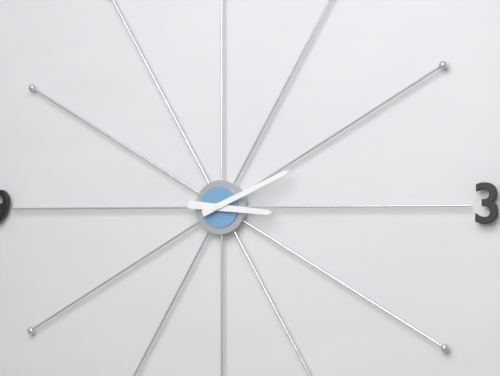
3:11
